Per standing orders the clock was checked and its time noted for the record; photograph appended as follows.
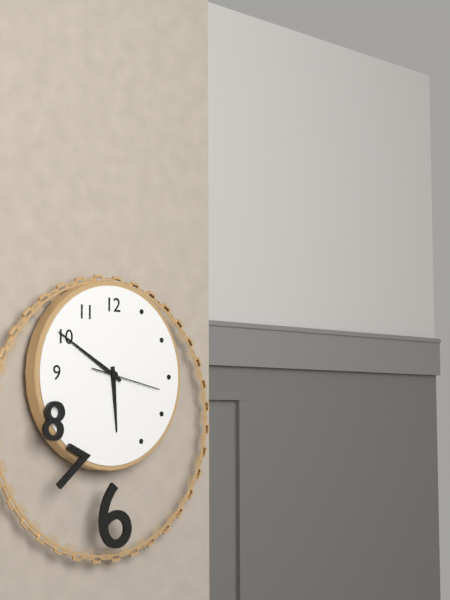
5:50:17
